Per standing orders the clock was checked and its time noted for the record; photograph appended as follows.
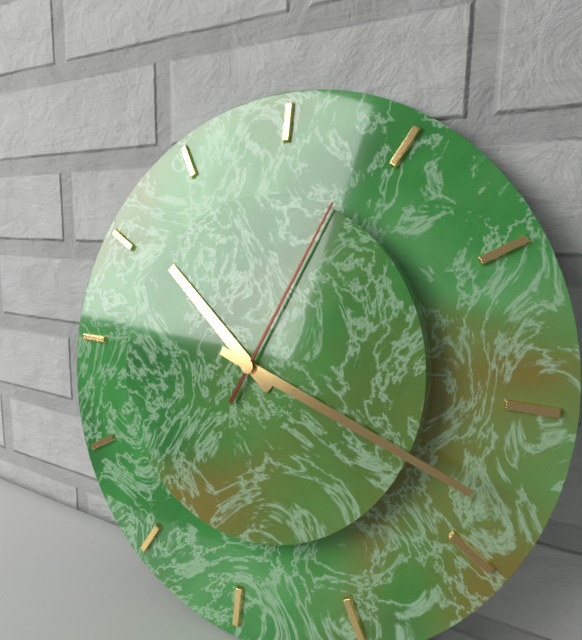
10:18:04
